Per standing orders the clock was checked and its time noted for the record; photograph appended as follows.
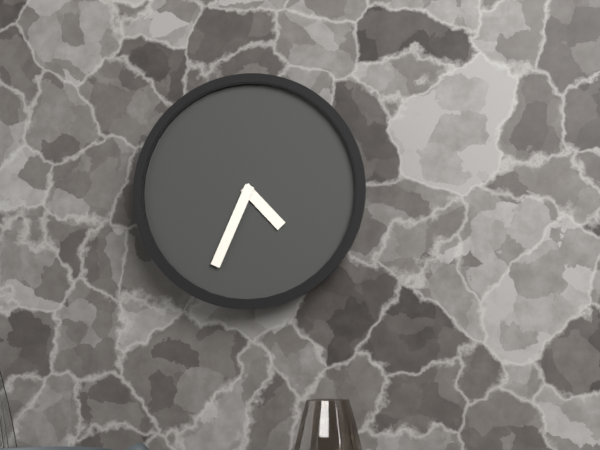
4:34
